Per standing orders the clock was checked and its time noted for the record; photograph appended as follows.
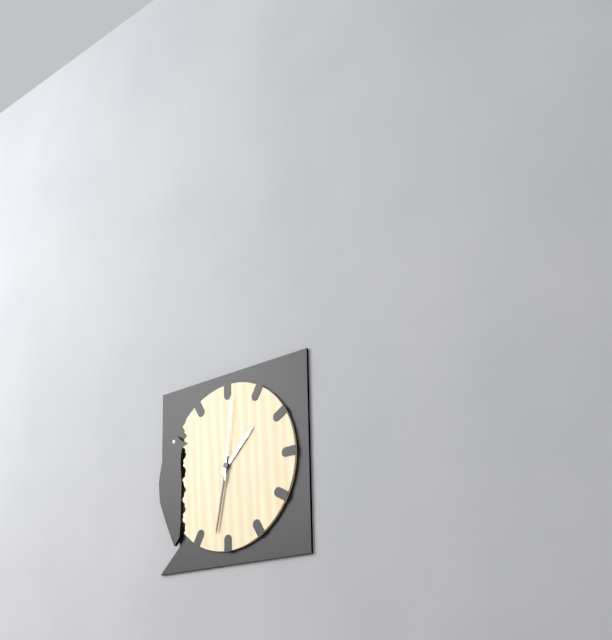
1:32:01
